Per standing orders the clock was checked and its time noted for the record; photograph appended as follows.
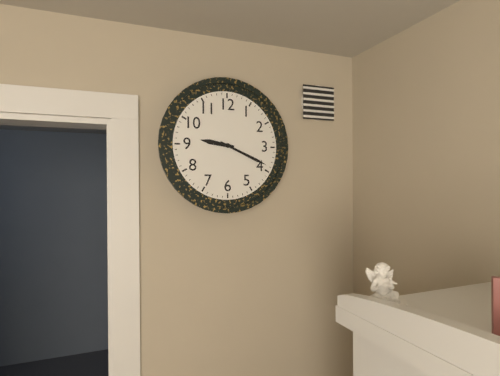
9:19
